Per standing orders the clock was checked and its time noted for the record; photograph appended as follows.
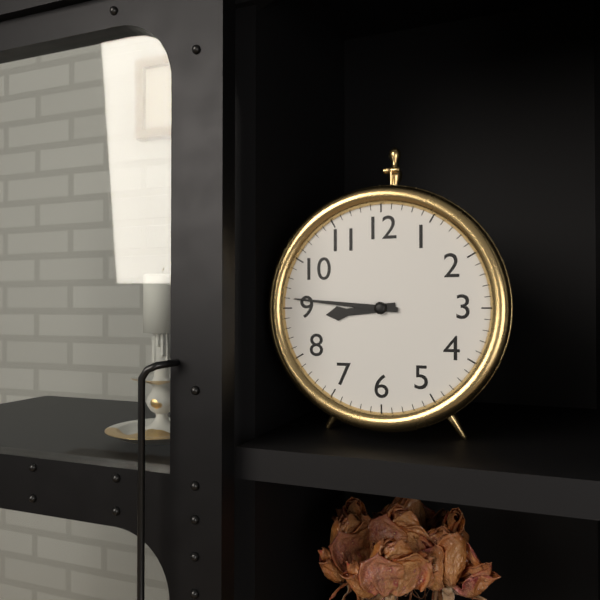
8:46
